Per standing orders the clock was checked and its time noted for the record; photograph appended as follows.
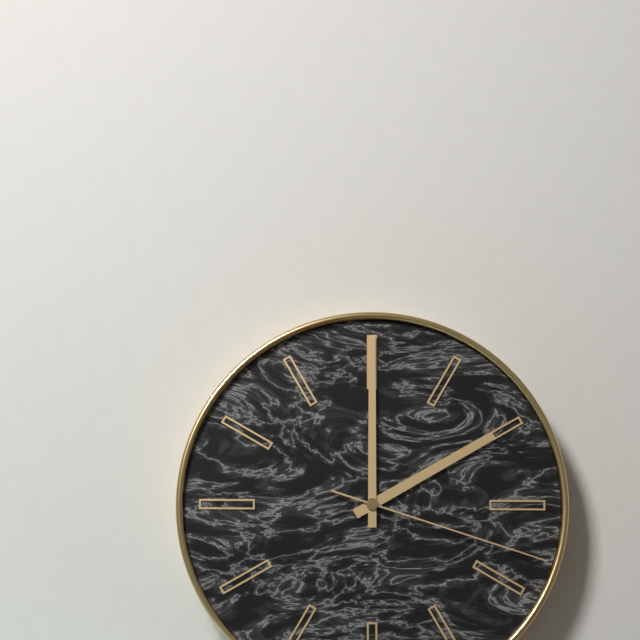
2:00:18
